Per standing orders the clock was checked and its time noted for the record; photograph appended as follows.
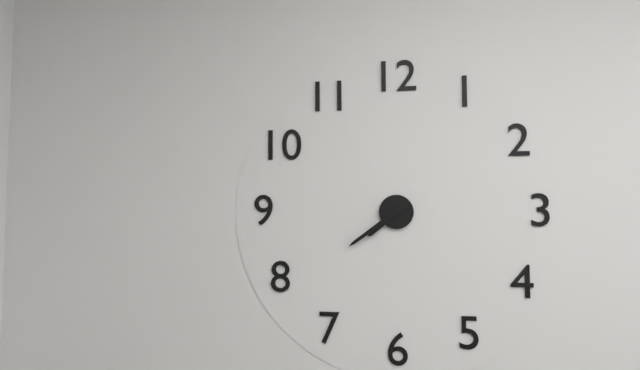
7:39
